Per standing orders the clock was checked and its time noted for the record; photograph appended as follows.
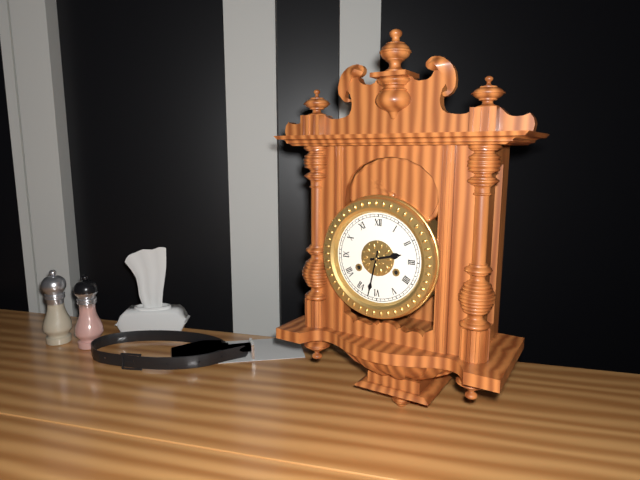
2:32
